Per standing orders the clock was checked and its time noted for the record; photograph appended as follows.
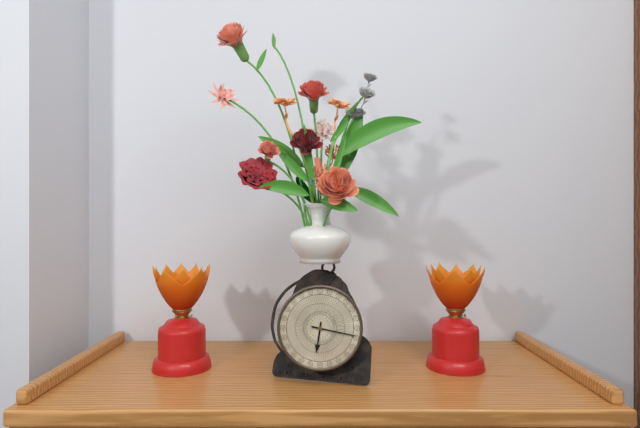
6:17
